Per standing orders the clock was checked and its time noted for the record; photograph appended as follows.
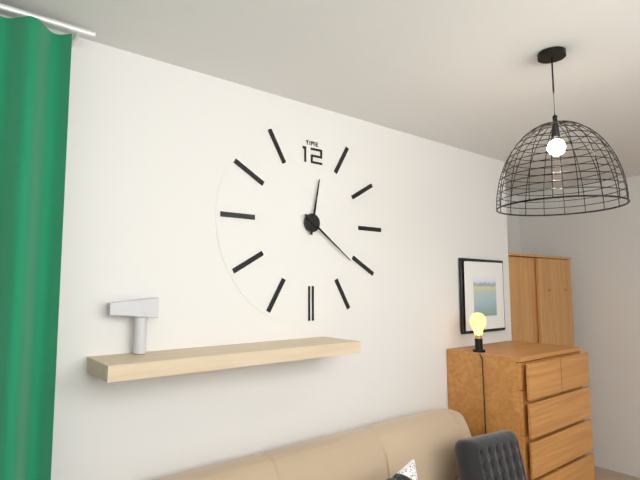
12:21
